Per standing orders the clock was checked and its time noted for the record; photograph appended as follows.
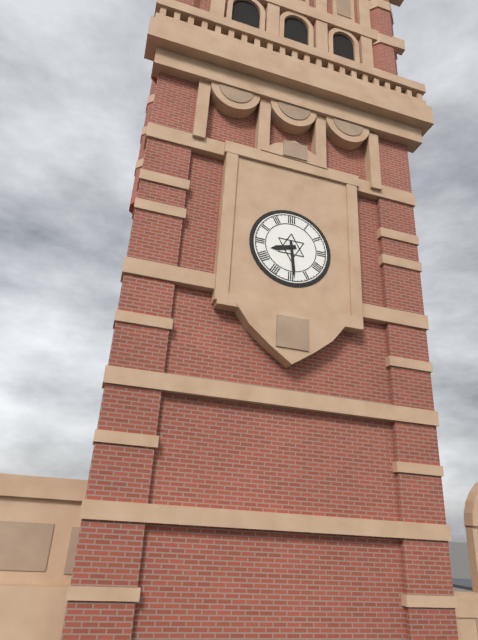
8:29
